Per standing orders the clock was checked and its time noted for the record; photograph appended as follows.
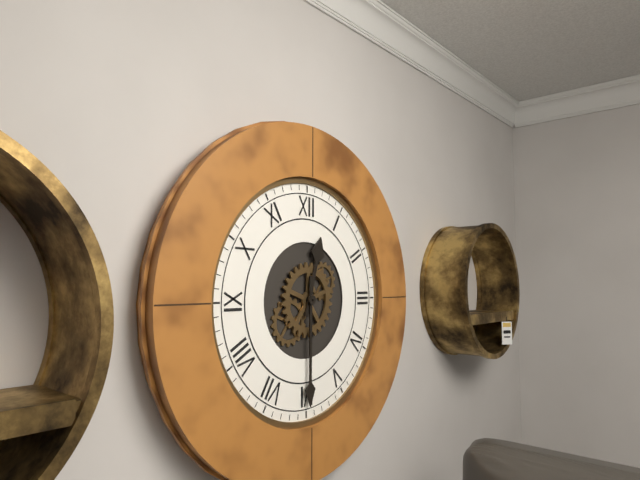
12:30
